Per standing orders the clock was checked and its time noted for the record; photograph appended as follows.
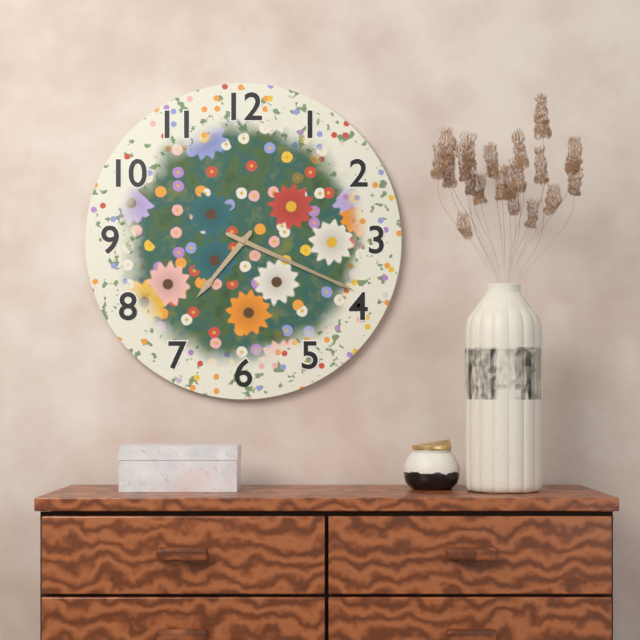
7:19
